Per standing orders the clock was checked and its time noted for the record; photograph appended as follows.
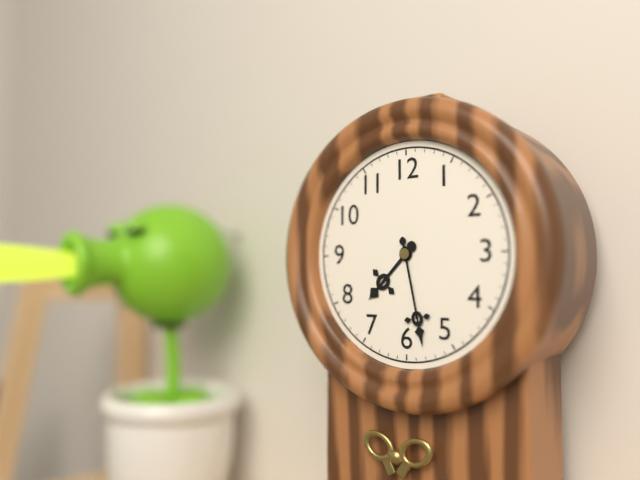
7:28
